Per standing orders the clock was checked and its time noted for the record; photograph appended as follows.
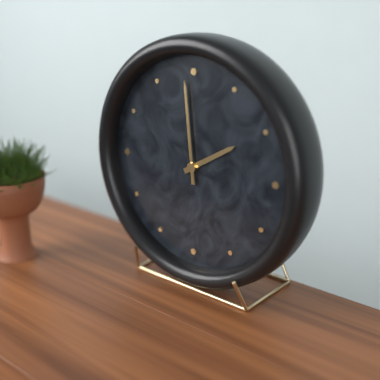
1:59
